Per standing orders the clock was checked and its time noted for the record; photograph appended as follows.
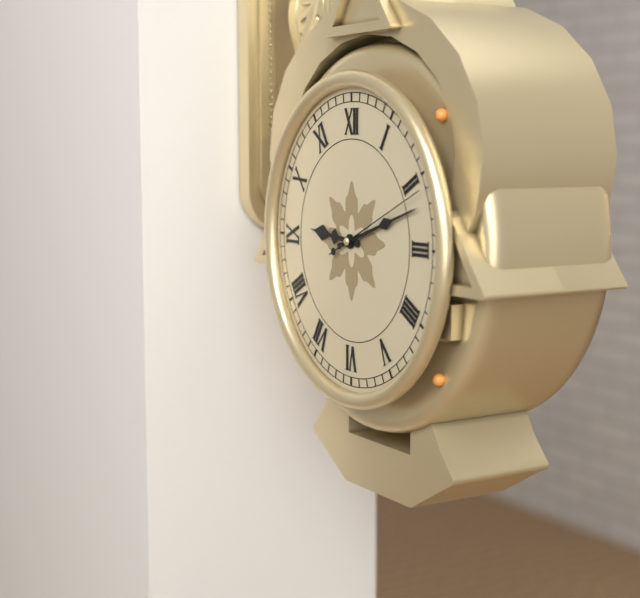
9:12:11
